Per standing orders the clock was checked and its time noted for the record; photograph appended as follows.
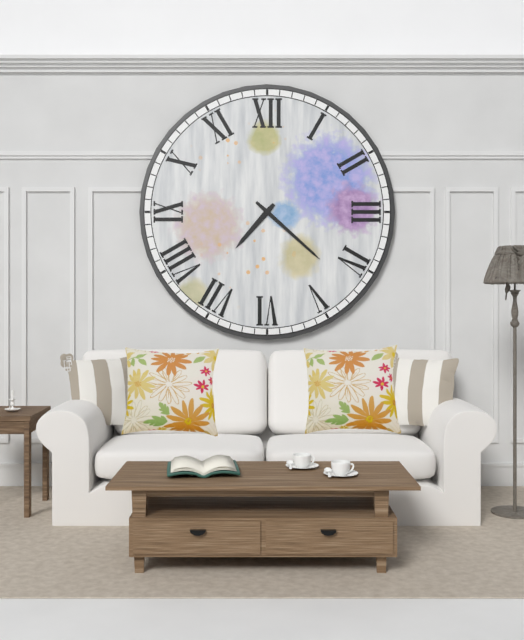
7:22
